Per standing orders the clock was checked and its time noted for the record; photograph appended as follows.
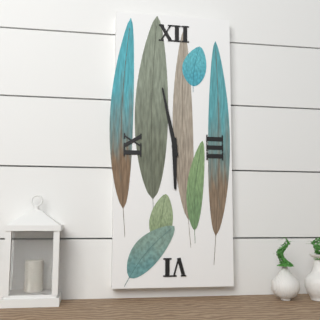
5:58
